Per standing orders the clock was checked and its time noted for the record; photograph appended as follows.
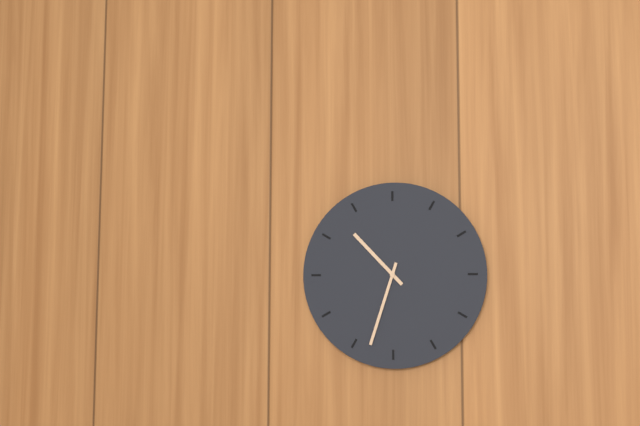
10:33
